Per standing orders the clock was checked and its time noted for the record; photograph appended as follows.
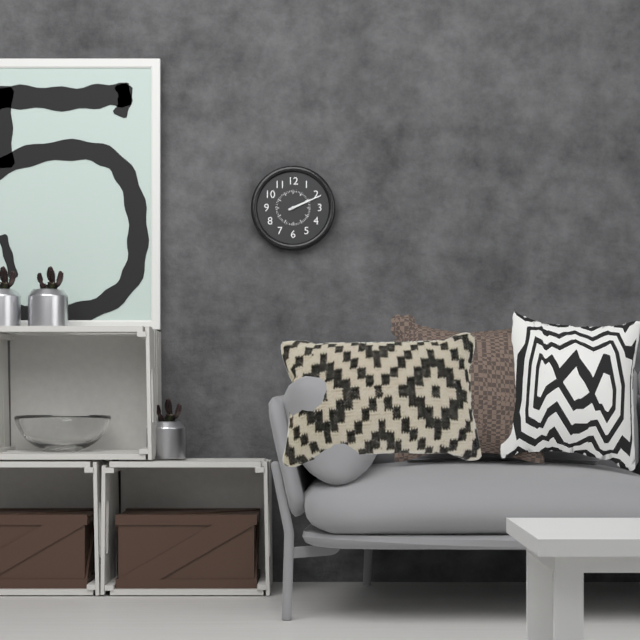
2:11
